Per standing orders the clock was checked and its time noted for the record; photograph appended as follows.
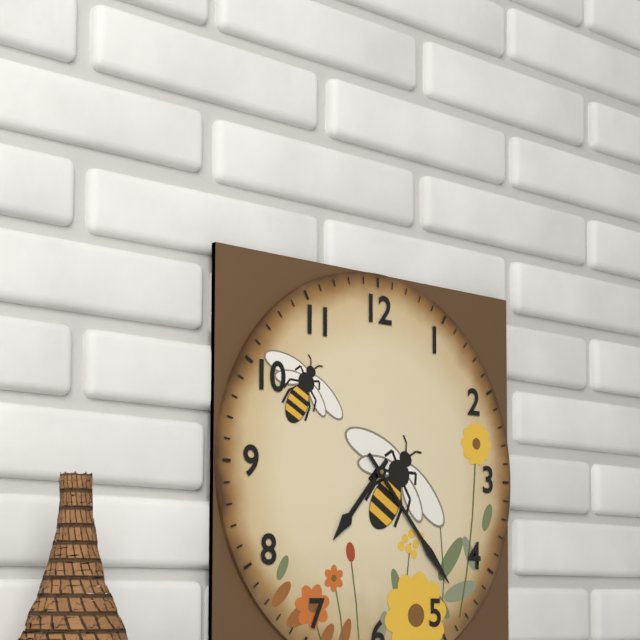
7:23
